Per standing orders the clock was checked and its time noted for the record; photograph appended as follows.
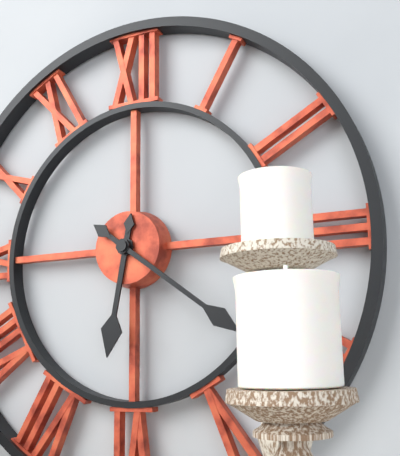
6:21
